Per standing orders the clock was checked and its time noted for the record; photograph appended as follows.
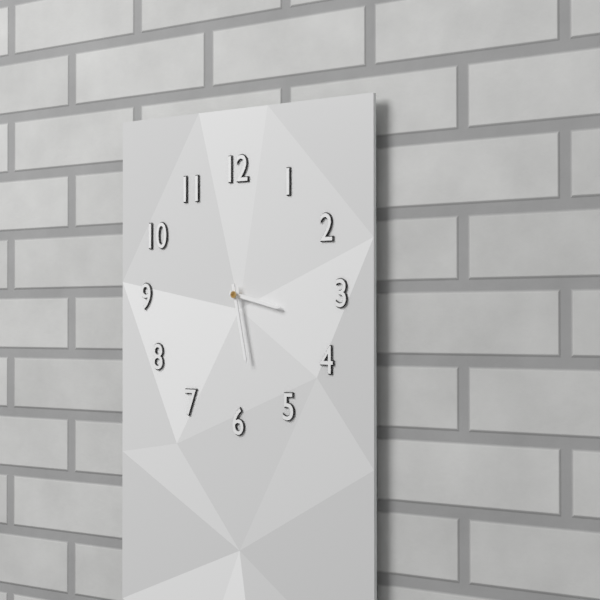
3:28
